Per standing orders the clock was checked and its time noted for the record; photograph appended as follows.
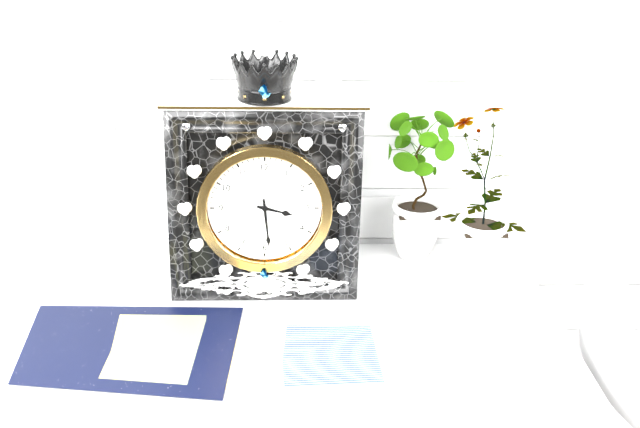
3:29
